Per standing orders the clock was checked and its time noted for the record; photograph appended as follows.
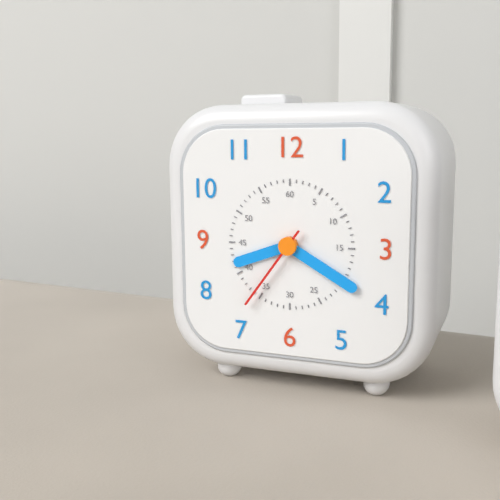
8:20:36
